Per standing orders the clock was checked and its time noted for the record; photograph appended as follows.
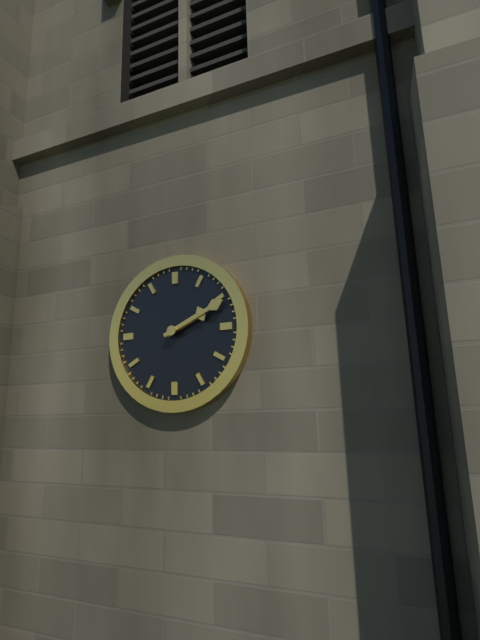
2:11
